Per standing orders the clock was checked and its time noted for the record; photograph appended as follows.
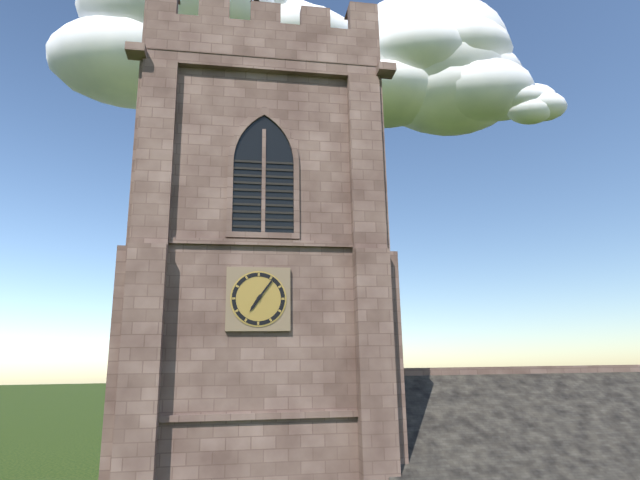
7:06
